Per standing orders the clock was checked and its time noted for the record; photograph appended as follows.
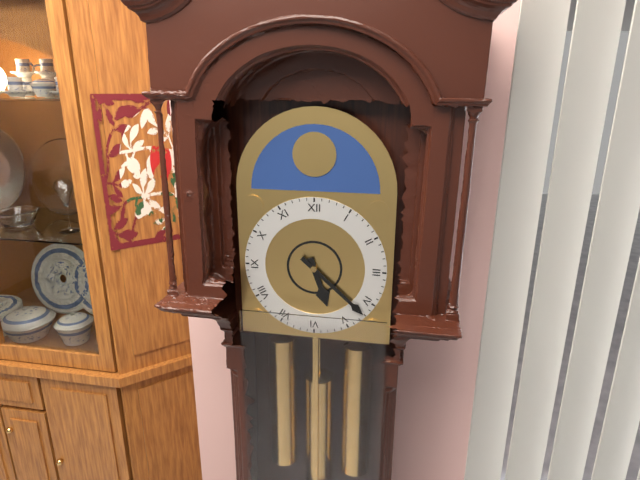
5:22
